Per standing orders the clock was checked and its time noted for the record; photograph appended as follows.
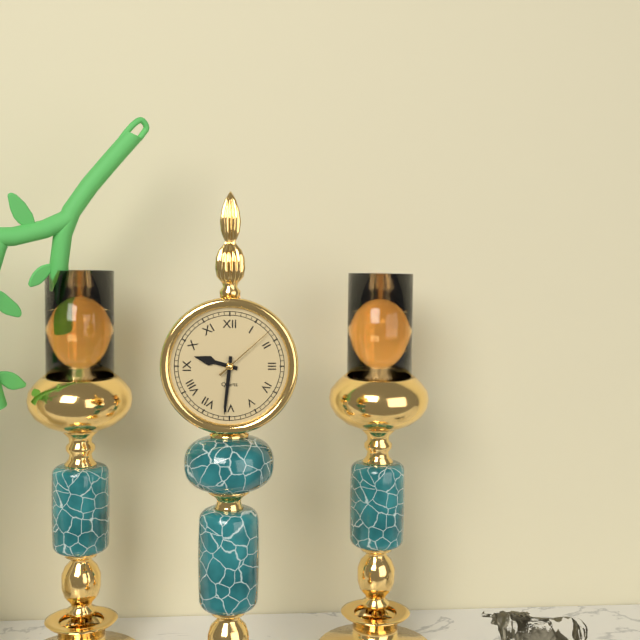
9:31:08
